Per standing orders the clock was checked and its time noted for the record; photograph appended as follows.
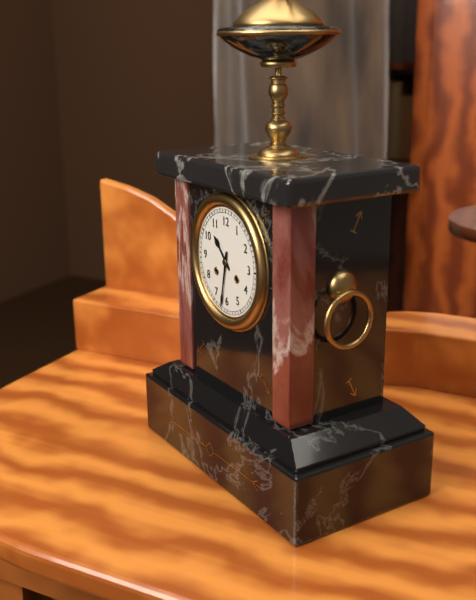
10:32
